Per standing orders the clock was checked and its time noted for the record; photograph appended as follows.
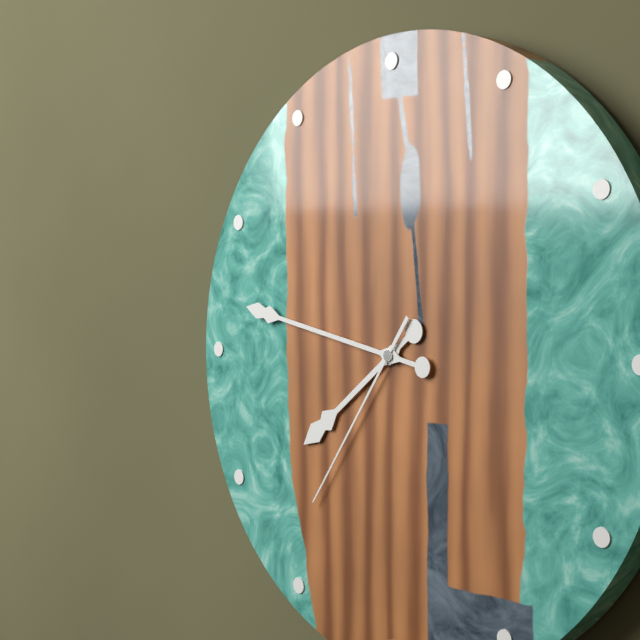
7:47:36
